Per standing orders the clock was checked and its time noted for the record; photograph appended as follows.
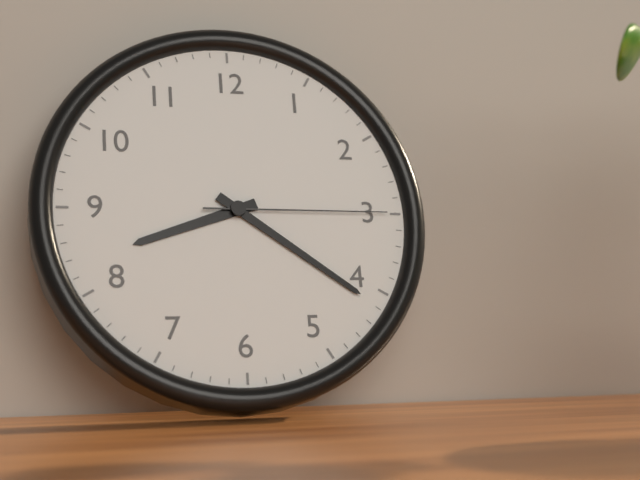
8:21:15
